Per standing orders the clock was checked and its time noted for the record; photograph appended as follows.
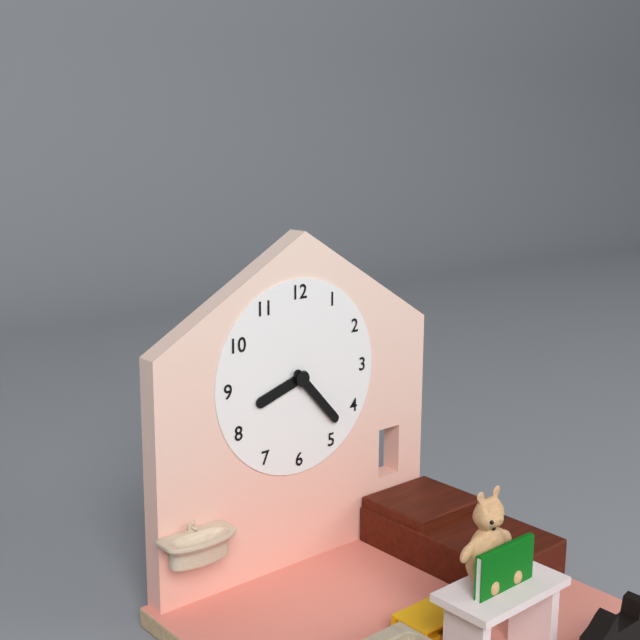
8:23
